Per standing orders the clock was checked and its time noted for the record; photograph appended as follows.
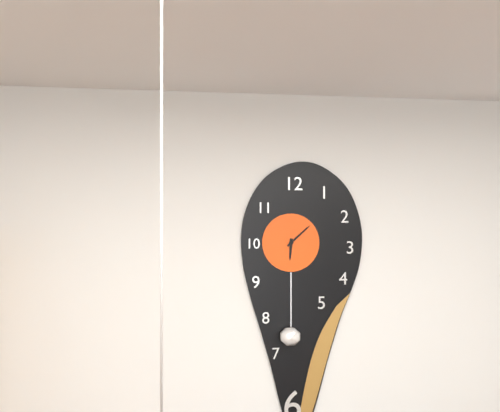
6:08
